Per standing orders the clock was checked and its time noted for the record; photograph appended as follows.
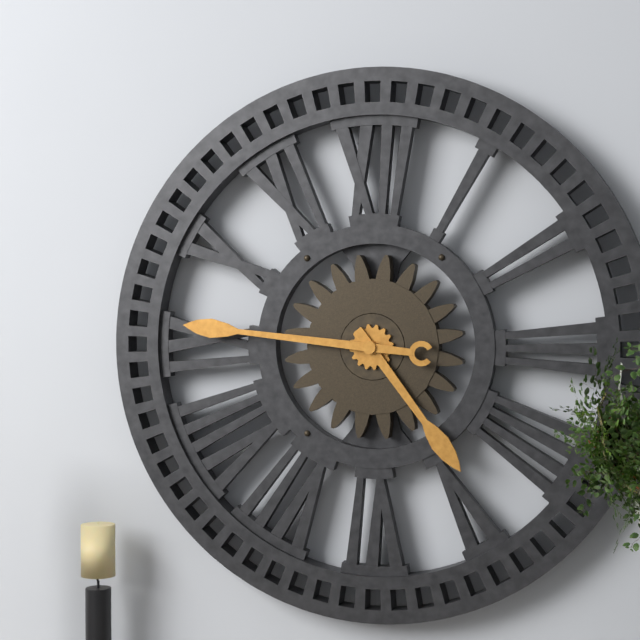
4:46
